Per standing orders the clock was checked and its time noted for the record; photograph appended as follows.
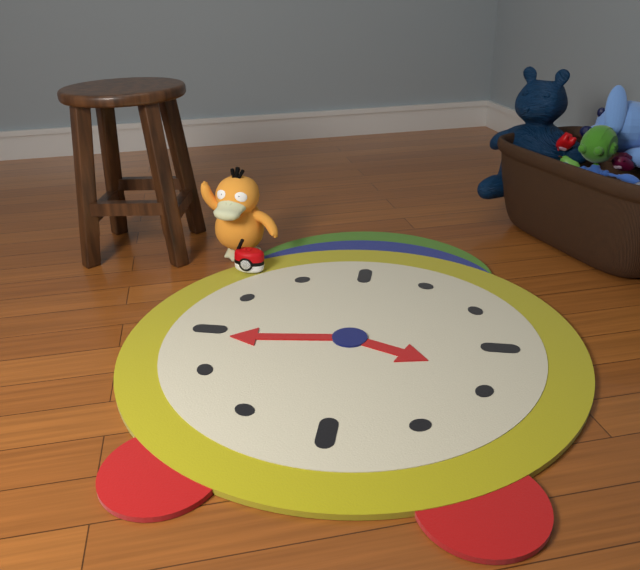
3:44
